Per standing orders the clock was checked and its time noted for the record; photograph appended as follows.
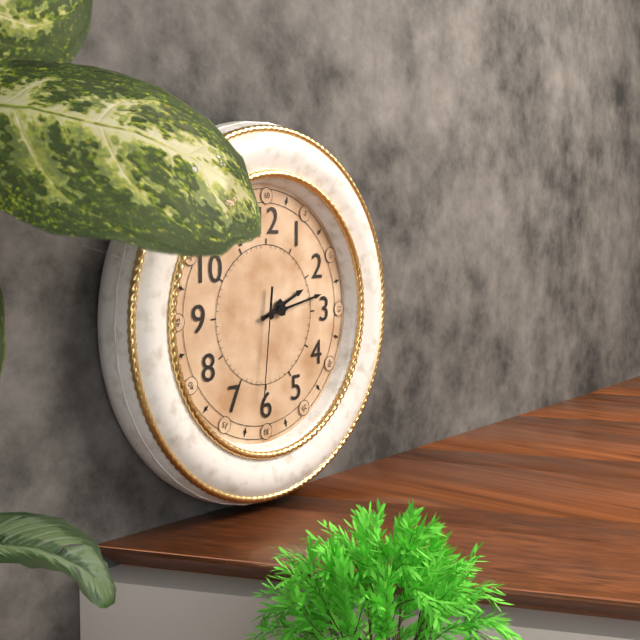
2:13:31
